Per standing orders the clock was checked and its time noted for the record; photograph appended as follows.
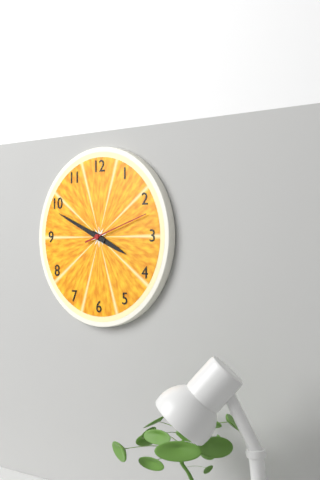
3:49:12
